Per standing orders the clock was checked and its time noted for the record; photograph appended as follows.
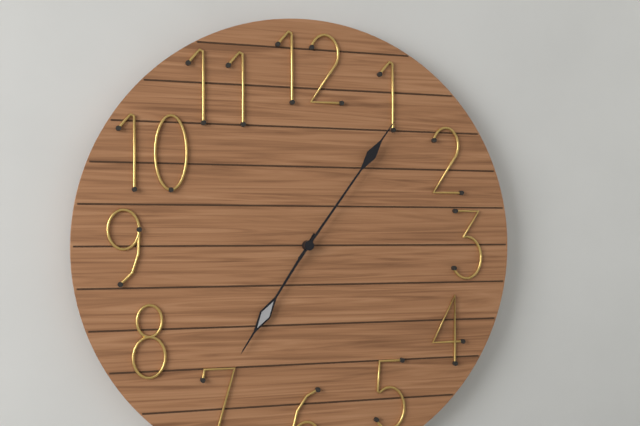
7:06
